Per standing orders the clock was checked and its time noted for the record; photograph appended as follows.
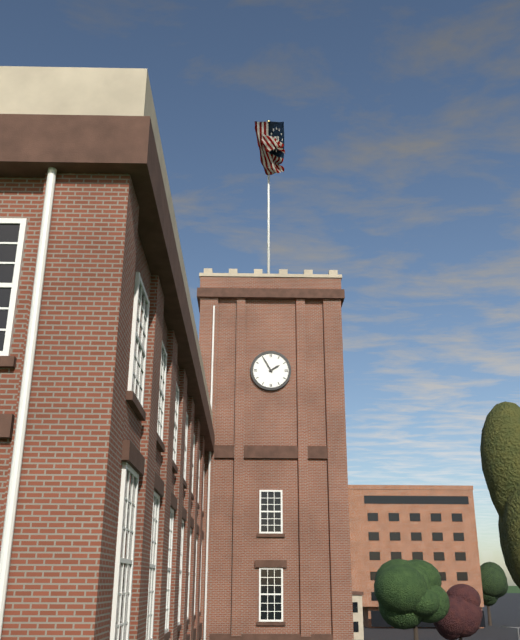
1:55
